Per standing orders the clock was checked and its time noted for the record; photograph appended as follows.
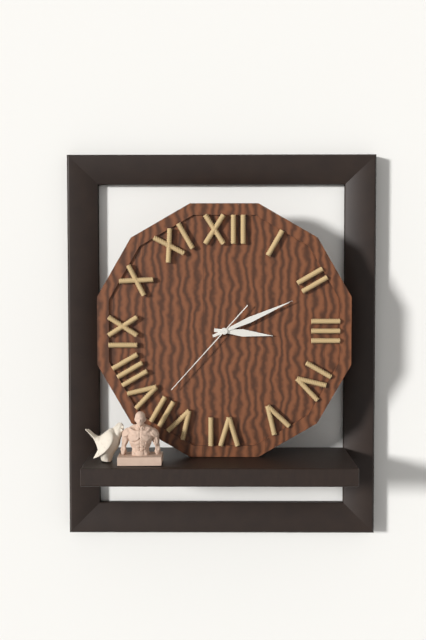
3:11:37
